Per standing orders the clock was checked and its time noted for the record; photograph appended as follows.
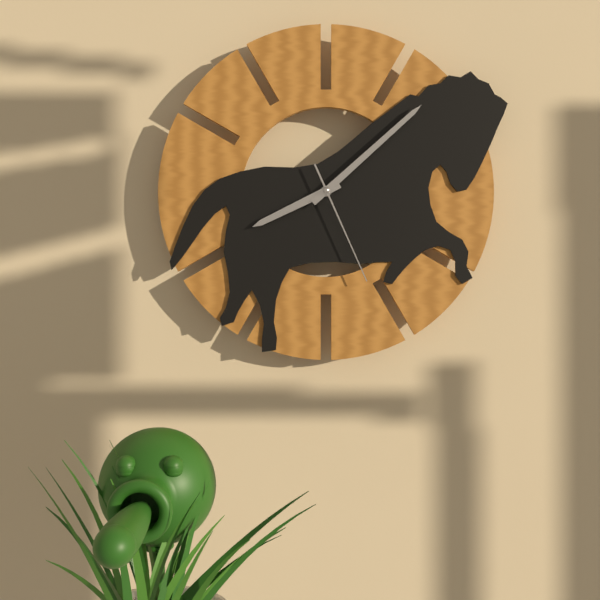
8:08:26
